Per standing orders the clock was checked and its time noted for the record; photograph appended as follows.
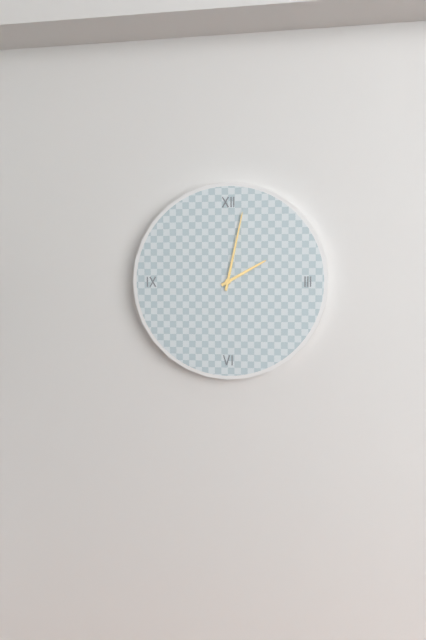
2:02
